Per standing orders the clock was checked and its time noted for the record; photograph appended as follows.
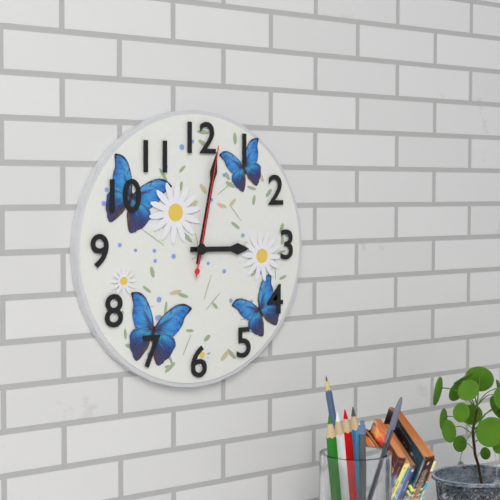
3:02:02
